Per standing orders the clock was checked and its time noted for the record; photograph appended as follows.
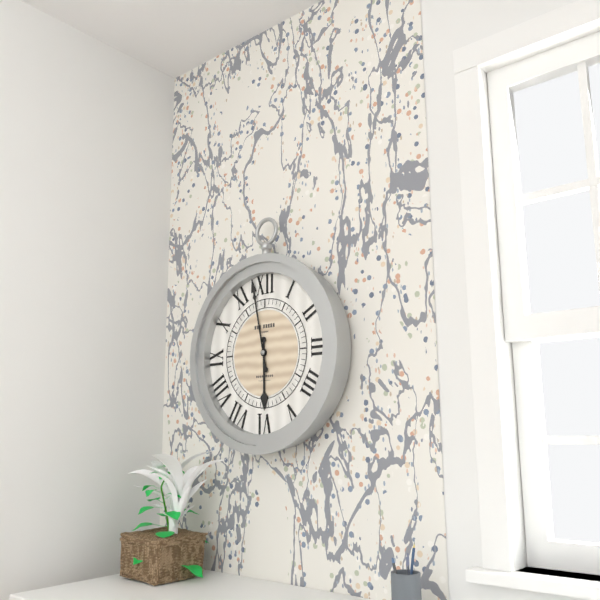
5:58
